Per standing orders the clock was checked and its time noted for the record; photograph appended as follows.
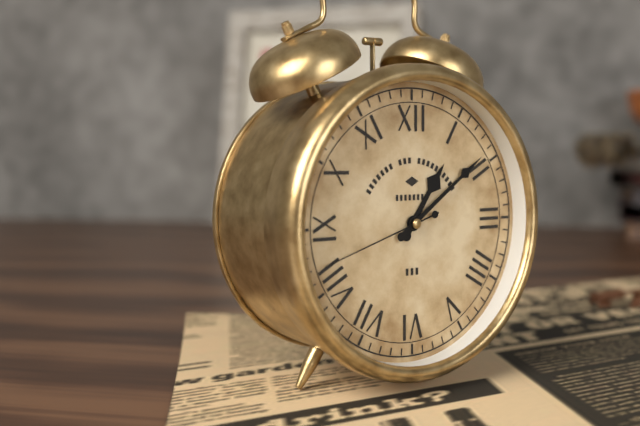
1:09:42
